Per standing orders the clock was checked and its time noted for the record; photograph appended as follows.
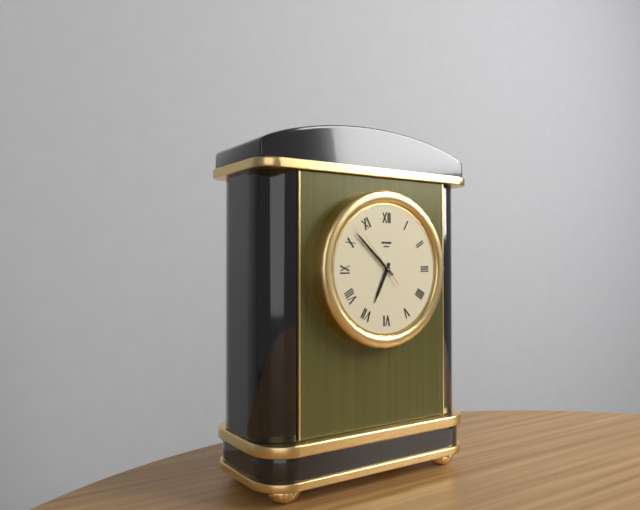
6:52:53
